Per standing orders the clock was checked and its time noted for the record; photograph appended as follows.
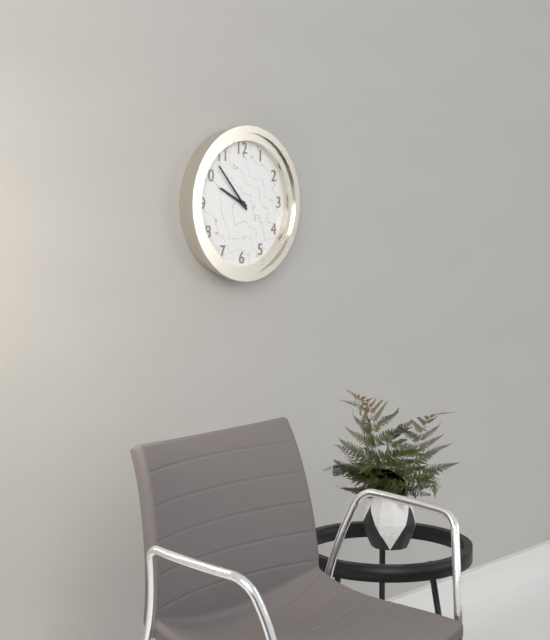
9:53
